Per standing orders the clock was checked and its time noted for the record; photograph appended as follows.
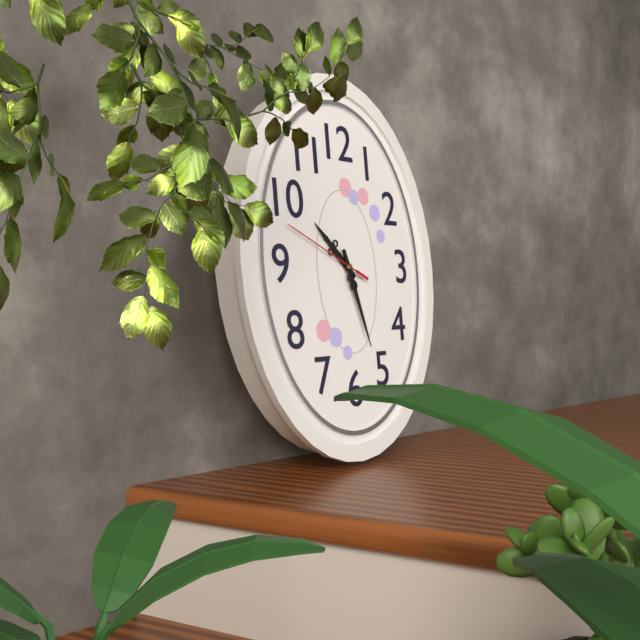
10:27:49
